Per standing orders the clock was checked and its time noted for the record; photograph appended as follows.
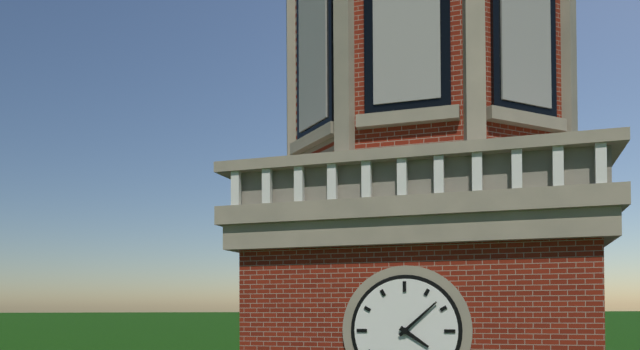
4:08
